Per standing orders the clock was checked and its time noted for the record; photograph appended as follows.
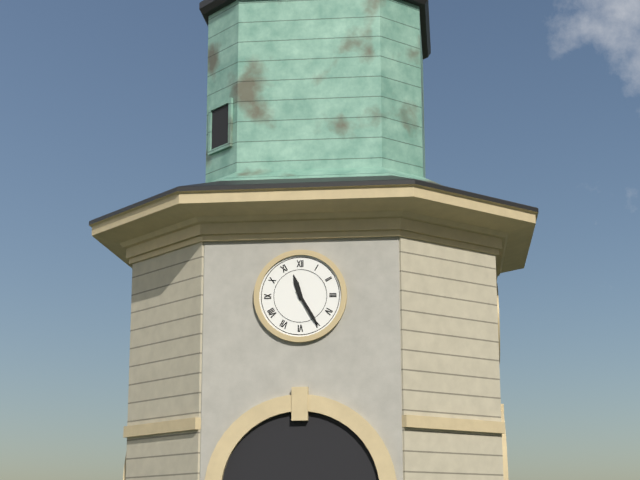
11:25
